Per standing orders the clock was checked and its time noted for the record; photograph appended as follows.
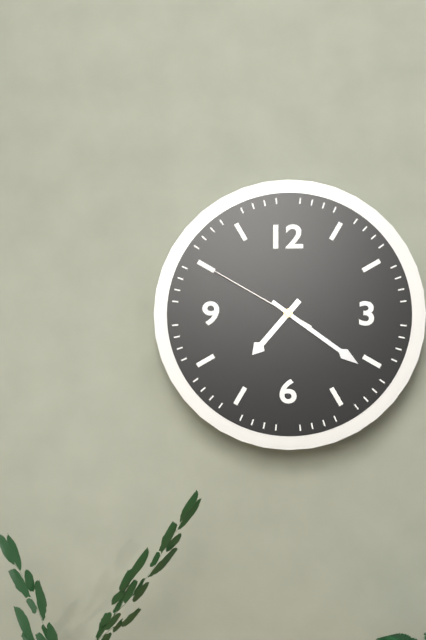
7:21:50
